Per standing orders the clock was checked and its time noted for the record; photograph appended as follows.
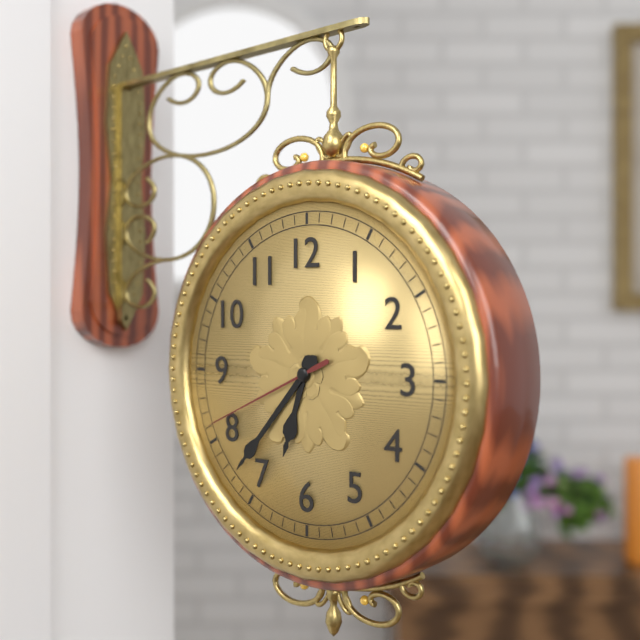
6:37:41
